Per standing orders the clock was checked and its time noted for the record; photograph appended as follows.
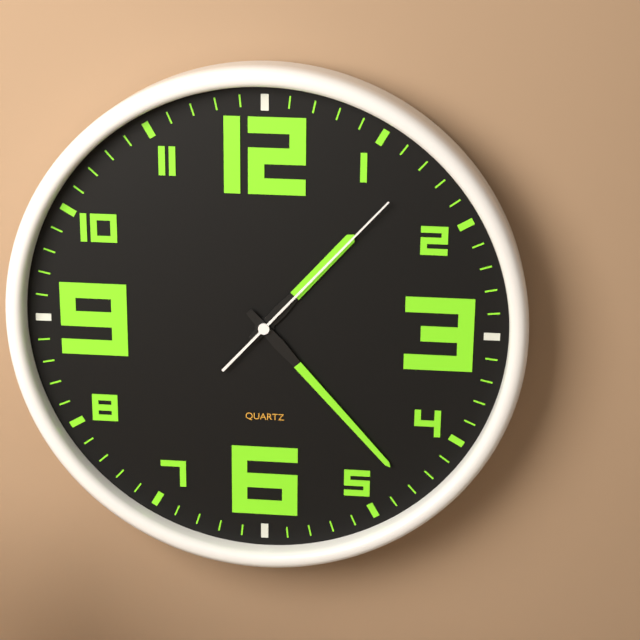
1:23:07
